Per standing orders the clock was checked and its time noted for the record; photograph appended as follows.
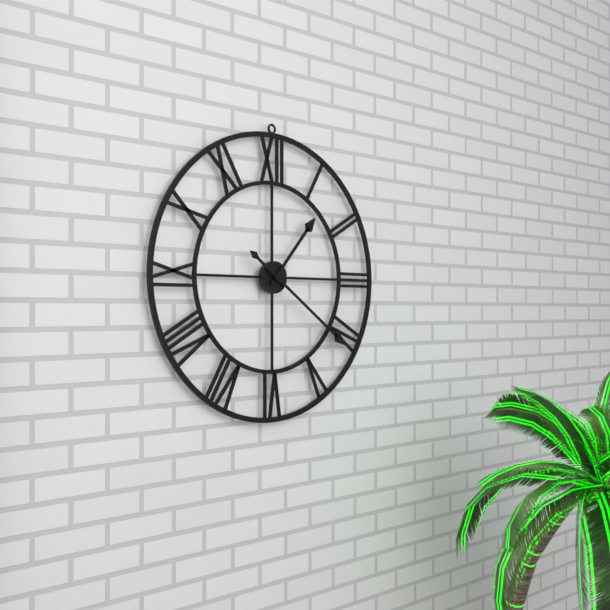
1:21
